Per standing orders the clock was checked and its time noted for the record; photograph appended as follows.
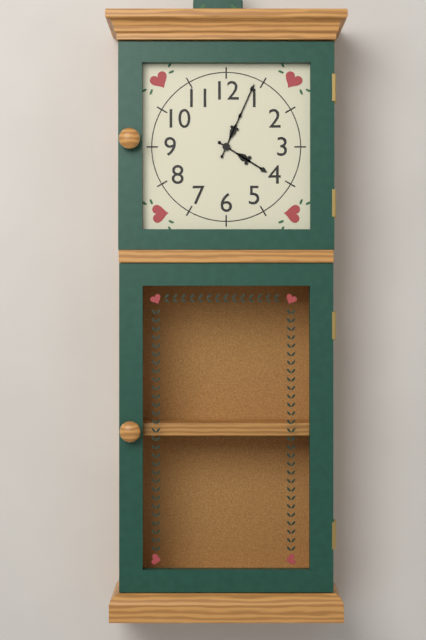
4:04
